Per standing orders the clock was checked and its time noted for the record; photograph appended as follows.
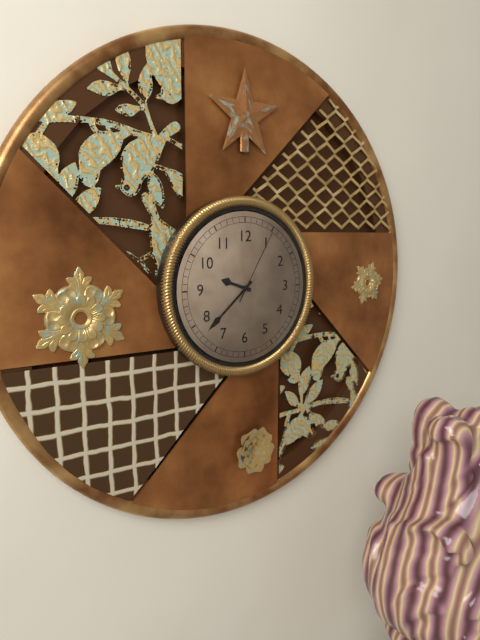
9:38:05
